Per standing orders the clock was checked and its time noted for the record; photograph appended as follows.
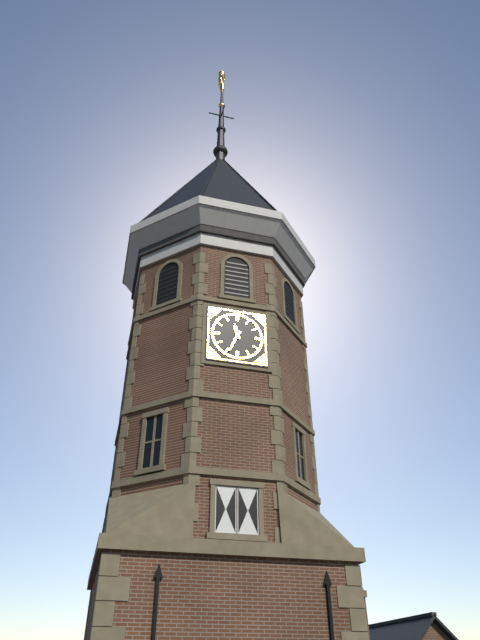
11:34
